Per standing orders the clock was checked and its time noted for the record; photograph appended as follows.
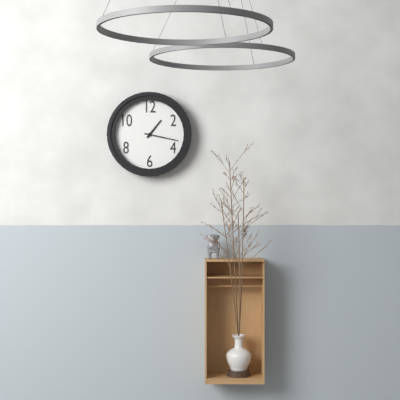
1:17
